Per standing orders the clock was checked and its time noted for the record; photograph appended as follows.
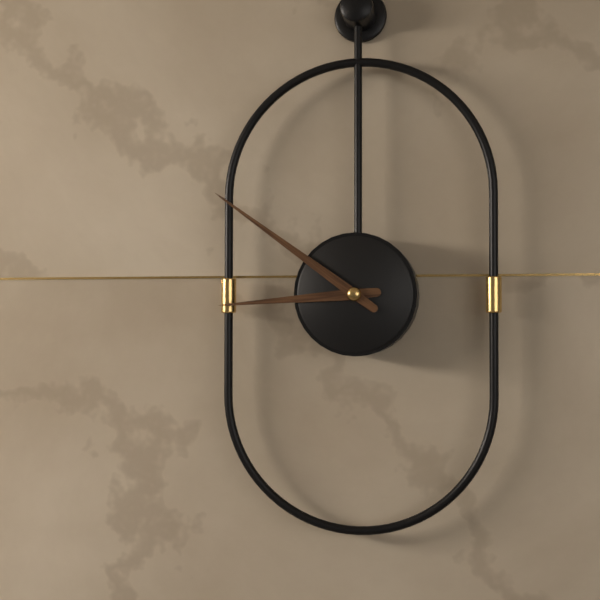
8:51
